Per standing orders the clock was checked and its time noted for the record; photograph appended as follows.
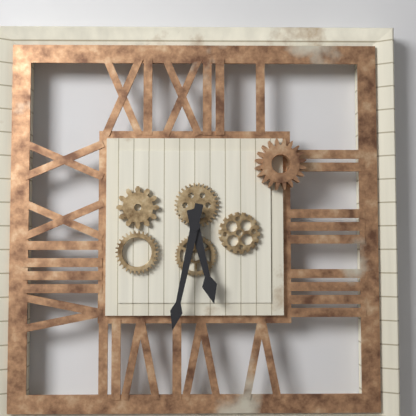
5:32
